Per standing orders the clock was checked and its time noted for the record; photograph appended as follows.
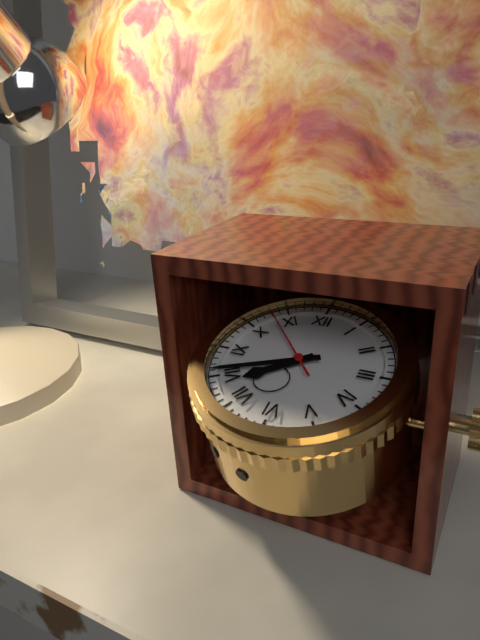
7:41:53
